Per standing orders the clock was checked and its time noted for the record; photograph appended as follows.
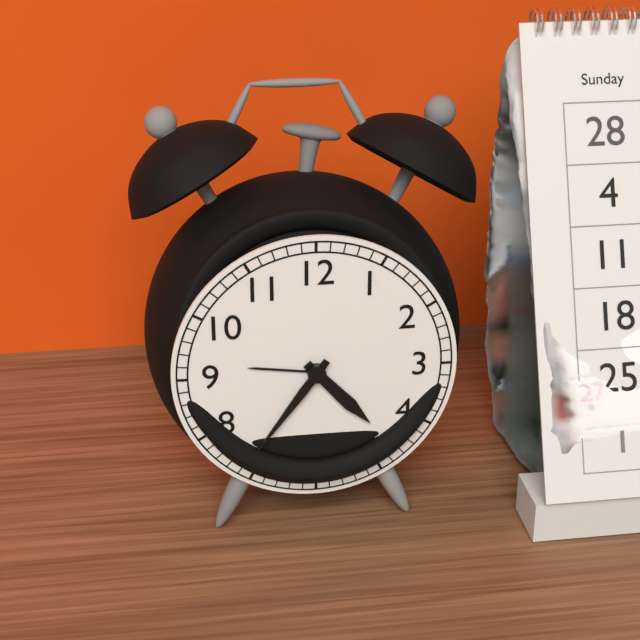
4:36
